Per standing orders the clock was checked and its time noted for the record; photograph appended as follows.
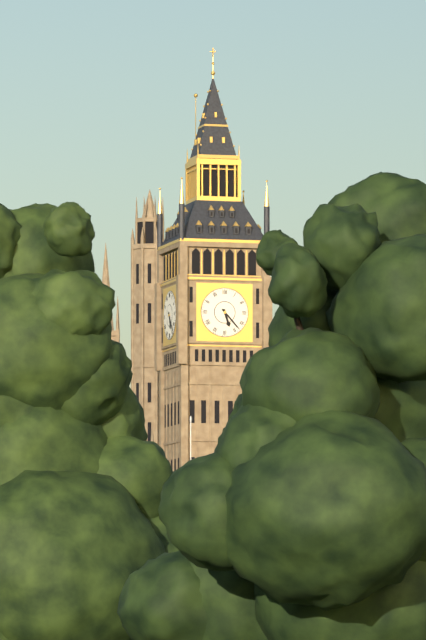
5:23
